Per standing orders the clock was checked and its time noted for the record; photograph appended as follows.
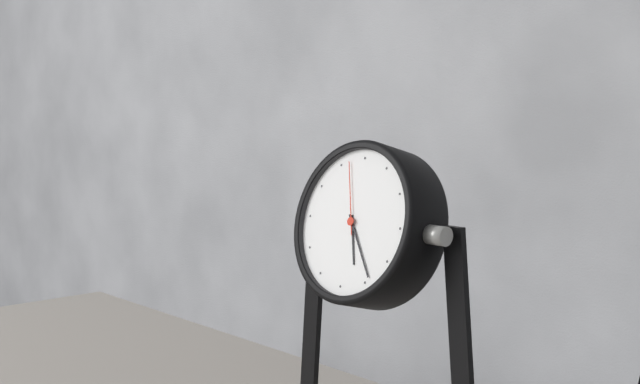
5:24:57
